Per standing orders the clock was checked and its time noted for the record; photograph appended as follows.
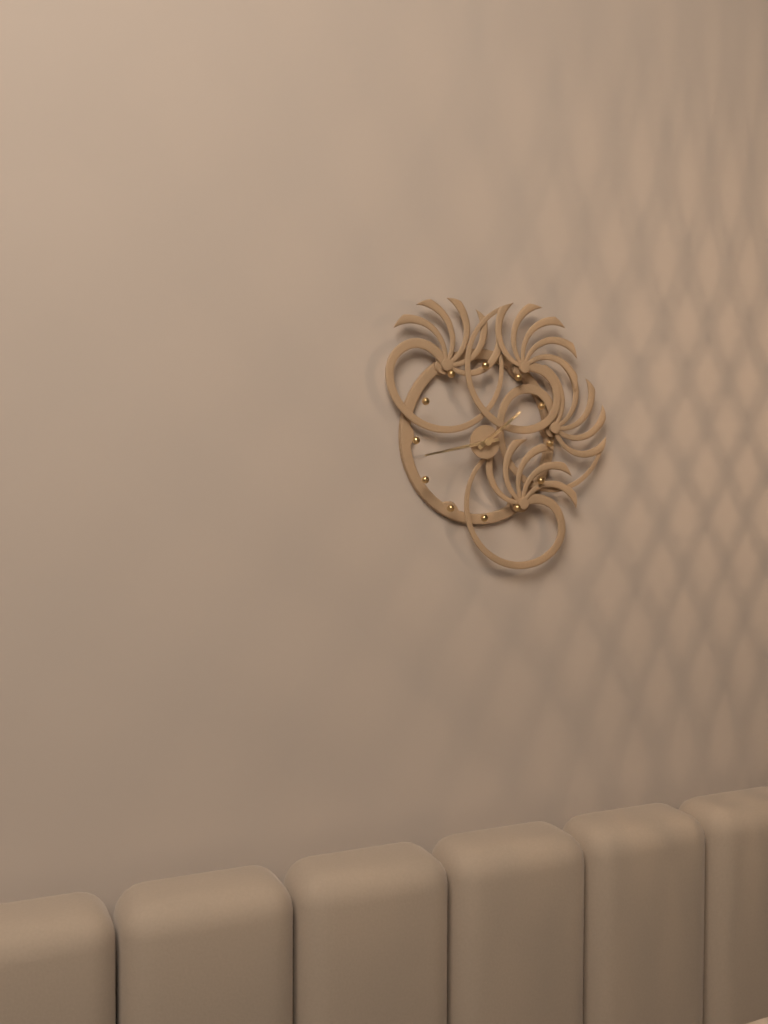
1:43
